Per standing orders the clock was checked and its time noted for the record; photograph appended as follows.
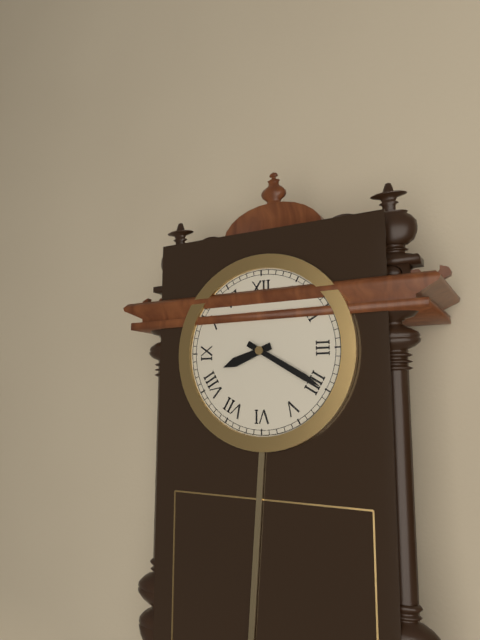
8:20
